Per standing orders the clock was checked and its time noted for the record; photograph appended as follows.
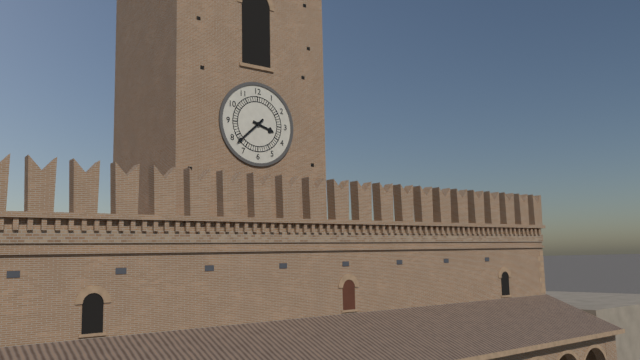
3:38
